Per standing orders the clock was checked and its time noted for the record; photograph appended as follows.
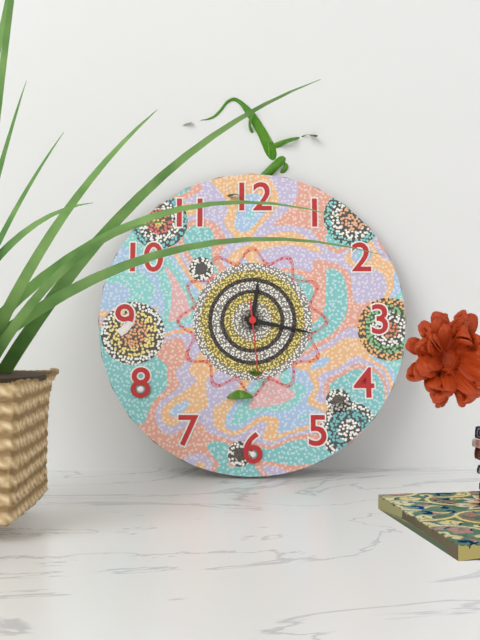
12:17:29
